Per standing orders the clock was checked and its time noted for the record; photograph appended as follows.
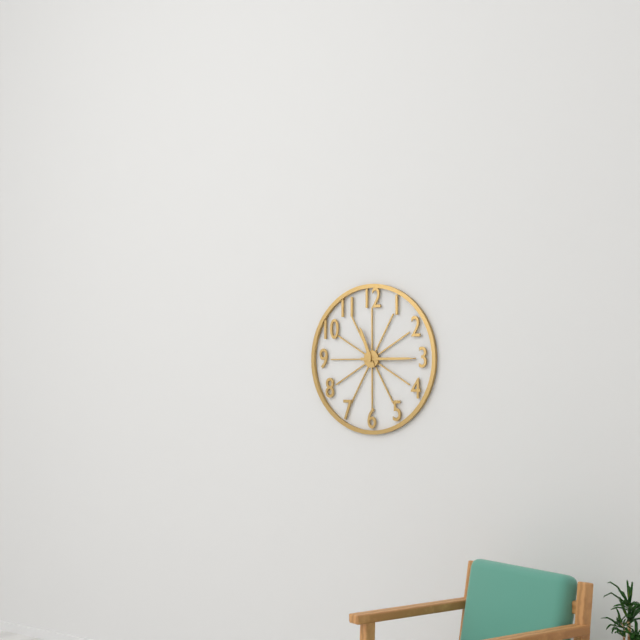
11:15
